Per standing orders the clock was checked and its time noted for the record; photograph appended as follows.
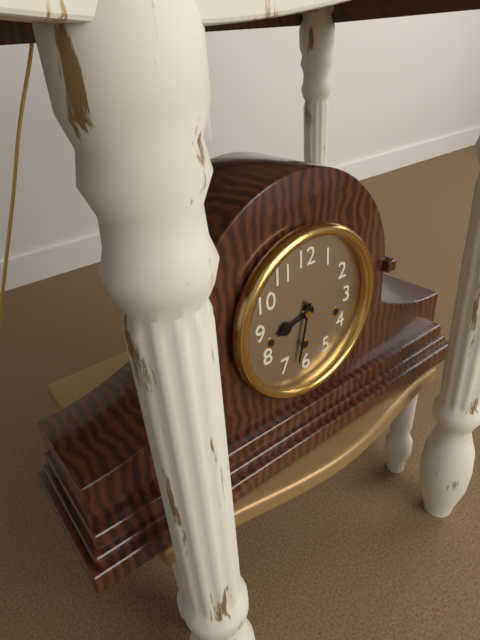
8:32
